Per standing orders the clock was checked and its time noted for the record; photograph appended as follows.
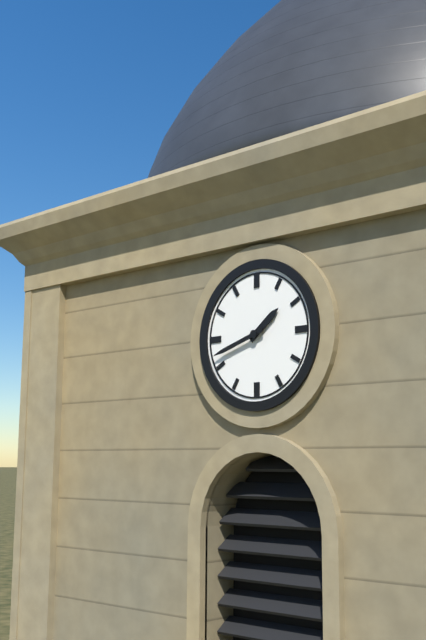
1:42
